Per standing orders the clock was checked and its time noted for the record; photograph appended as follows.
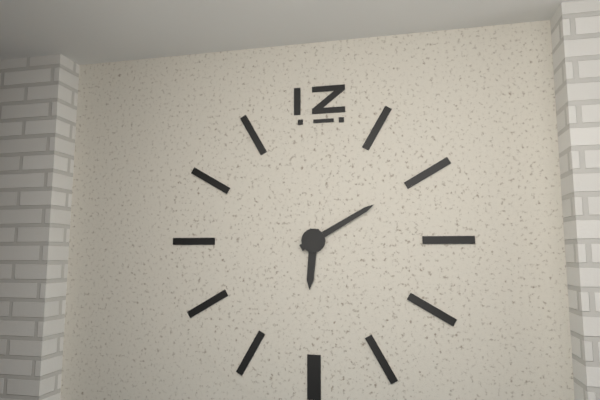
6:10
